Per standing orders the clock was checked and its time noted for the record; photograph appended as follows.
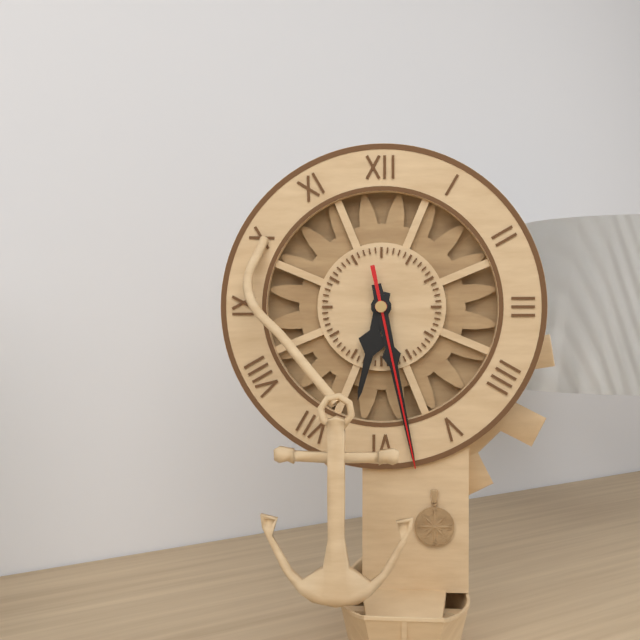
6:28:28
